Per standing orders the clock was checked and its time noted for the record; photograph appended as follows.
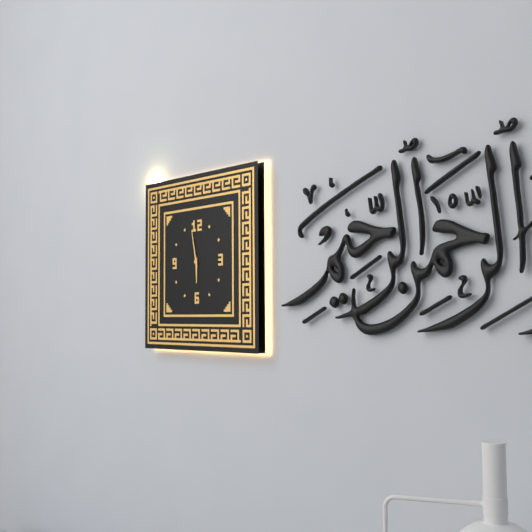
5:58
